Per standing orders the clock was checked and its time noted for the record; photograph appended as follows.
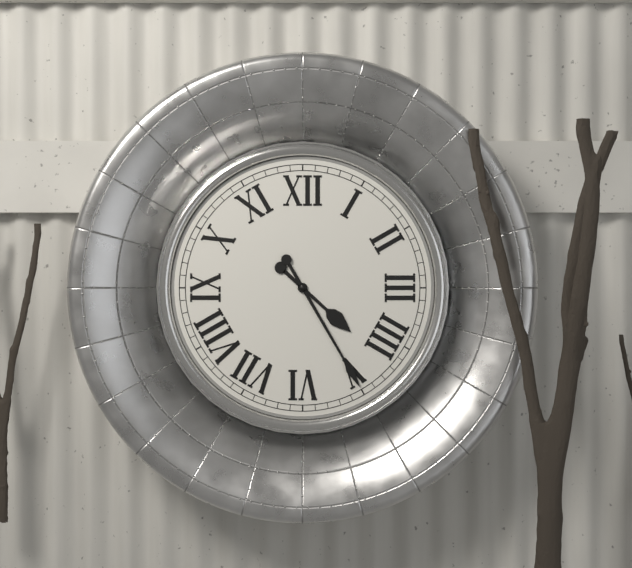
4:25
